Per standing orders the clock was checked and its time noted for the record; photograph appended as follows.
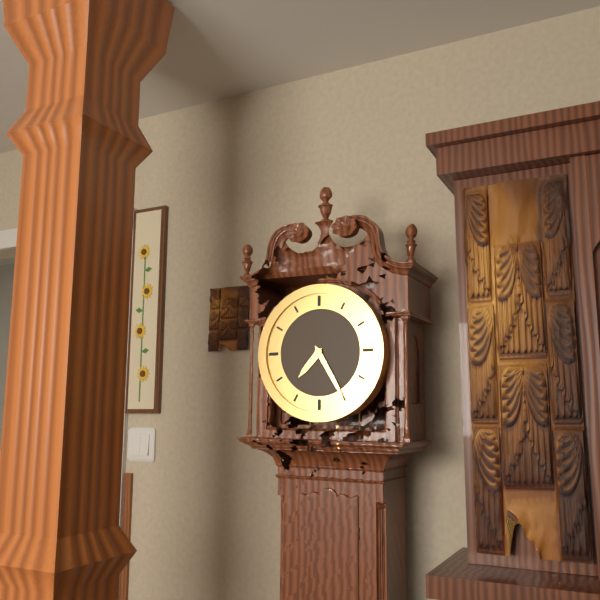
7:25
